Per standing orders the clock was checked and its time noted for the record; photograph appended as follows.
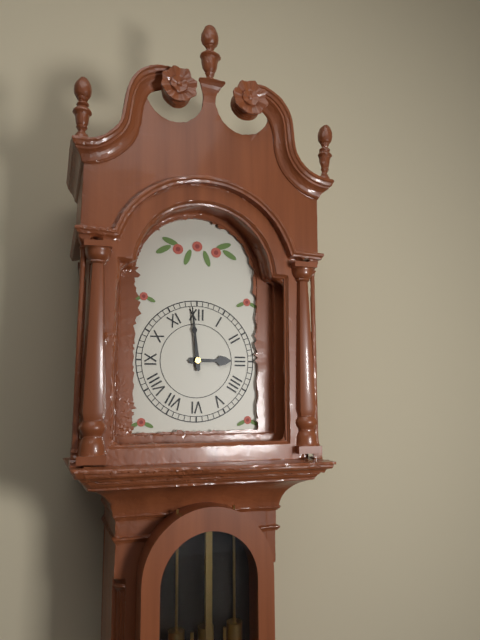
2:59
